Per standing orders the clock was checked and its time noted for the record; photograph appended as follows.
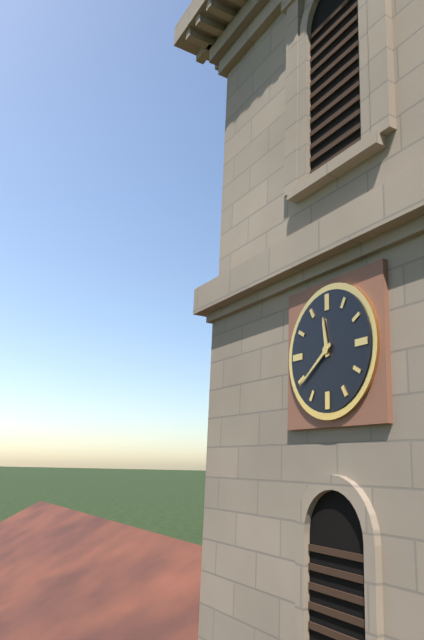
11:39
